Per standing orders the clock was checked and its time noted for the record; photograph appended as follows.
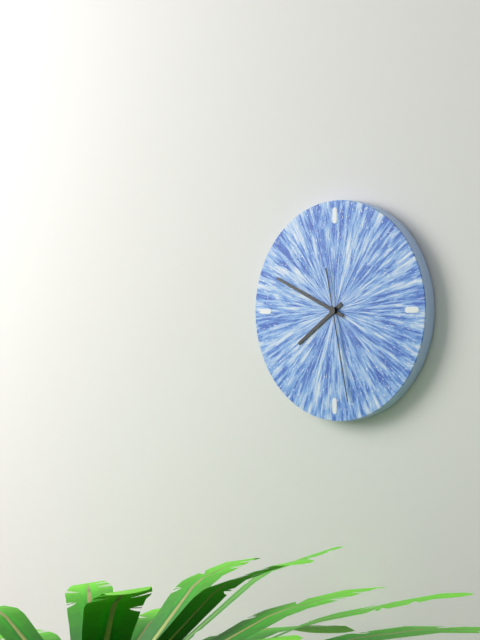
7:49:28
